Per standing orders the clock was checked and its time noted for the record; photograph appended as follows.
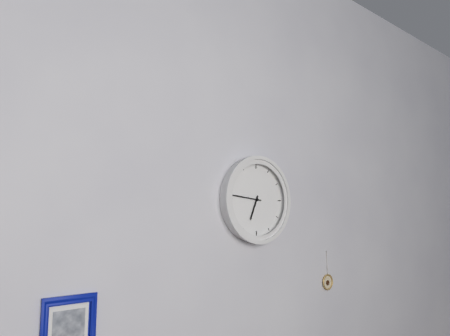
6:46
